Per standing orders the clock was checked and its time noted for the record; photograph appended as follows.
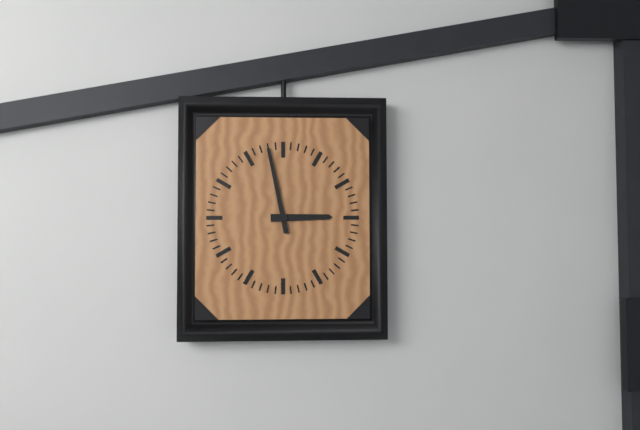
2:58
